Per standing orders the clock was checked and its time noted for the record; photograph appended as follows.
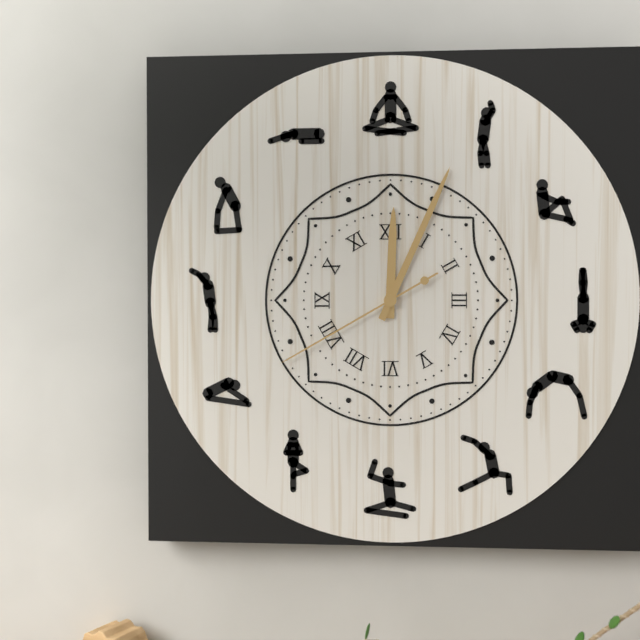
12:04:40
